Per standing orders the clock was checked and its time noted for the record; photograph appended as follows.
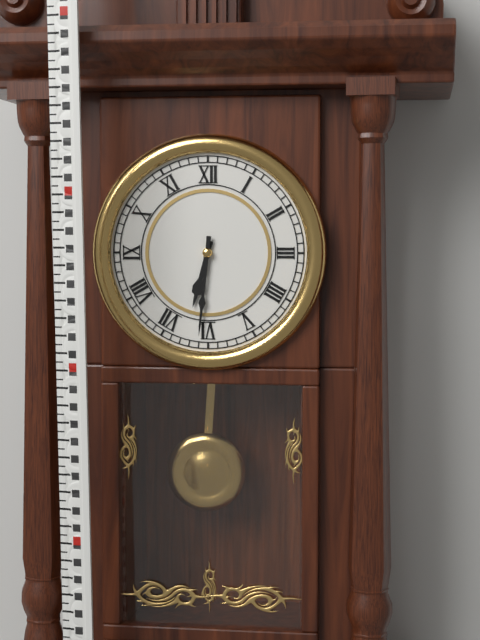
6:31
